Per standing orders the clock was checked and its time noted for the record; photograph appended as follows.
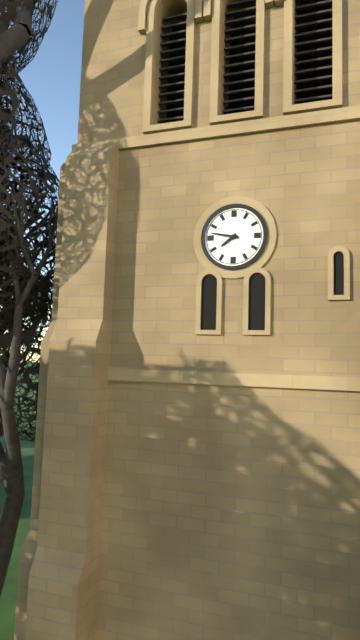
7:47
